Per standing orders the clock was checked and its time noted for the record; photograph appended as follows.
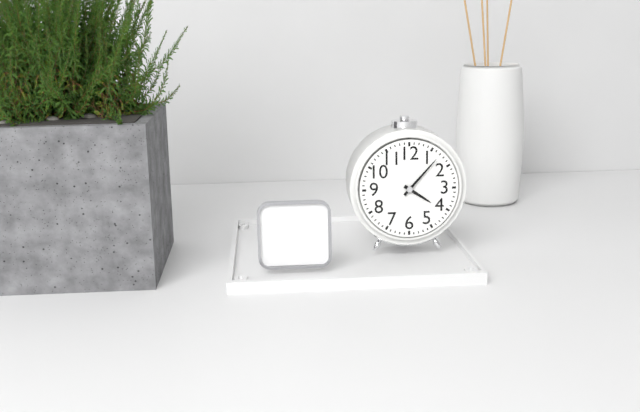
4:07
